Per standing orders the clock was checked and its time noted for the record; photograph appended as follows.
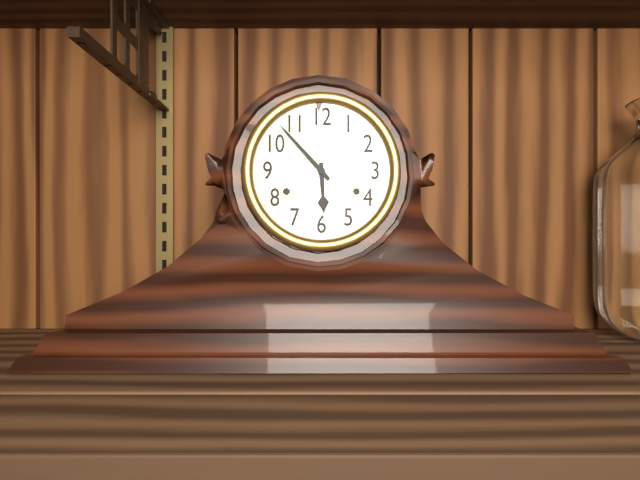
5:53
